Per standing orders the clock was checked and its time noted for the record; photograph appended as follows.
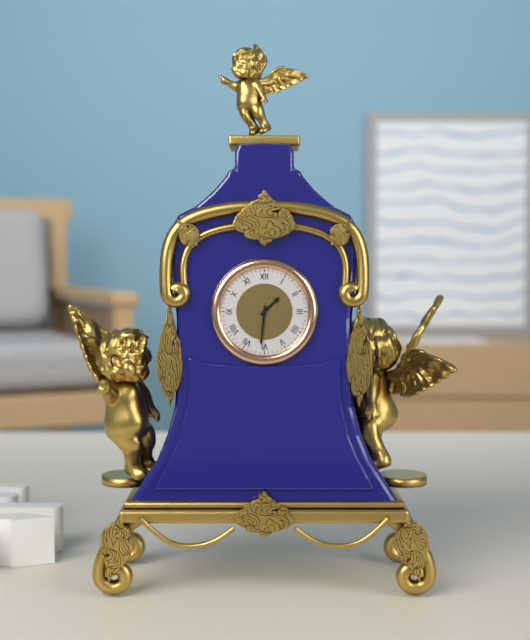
1:31
